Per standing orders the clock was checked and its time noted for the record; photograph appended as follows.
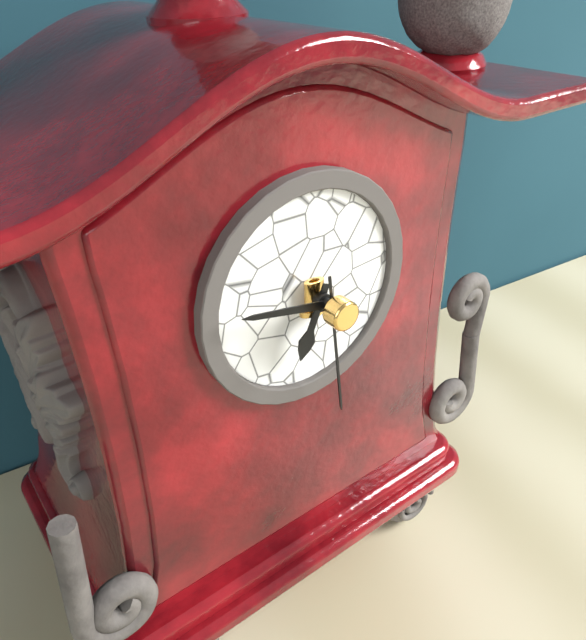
6:47:29
